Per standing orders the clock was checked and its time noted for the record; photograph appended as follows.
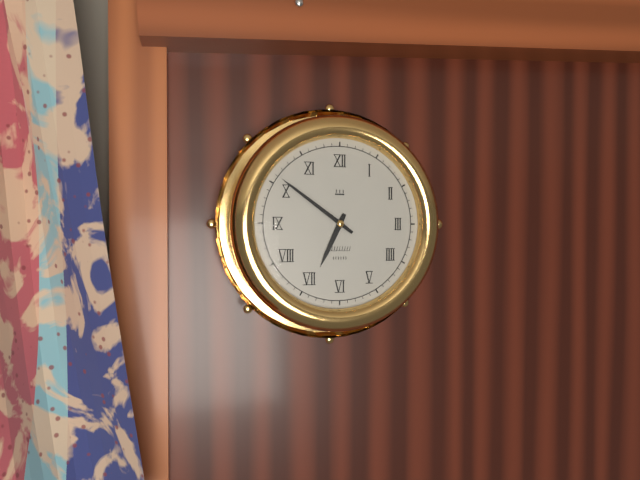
6:51
